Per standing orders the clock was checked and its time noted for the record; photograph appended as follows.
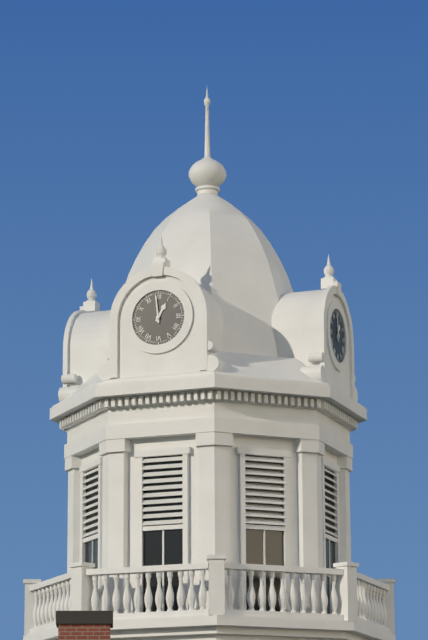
12:59
